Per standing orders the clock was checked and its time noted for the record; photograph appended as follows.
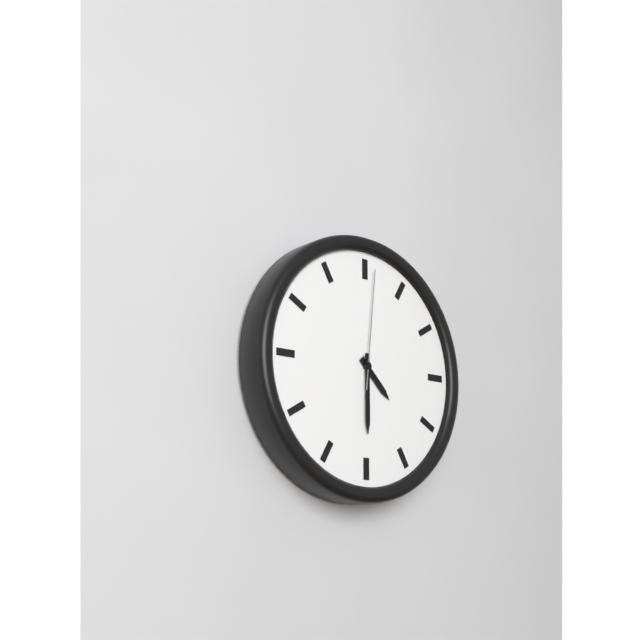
4:30:01
